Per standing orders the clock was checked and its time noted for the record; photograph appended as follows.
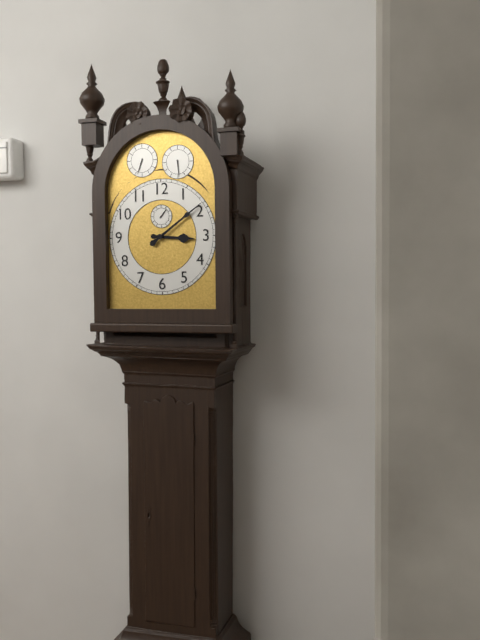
3:09
